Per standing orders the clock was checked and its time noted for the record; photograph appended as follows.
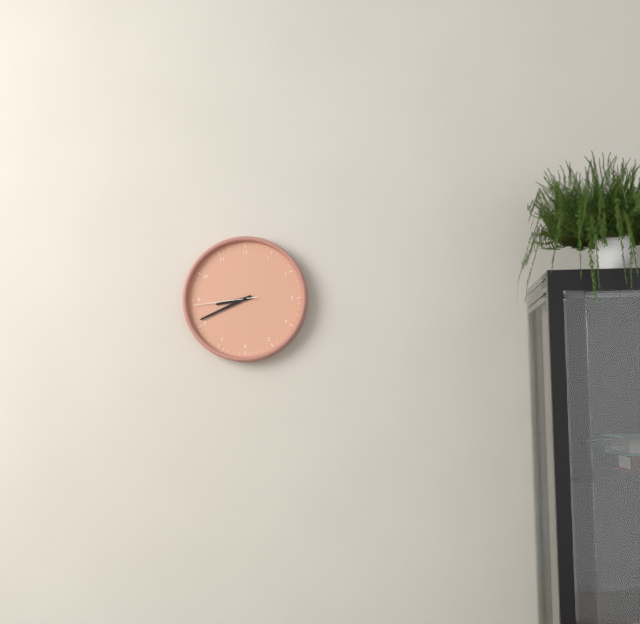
8:41:44
